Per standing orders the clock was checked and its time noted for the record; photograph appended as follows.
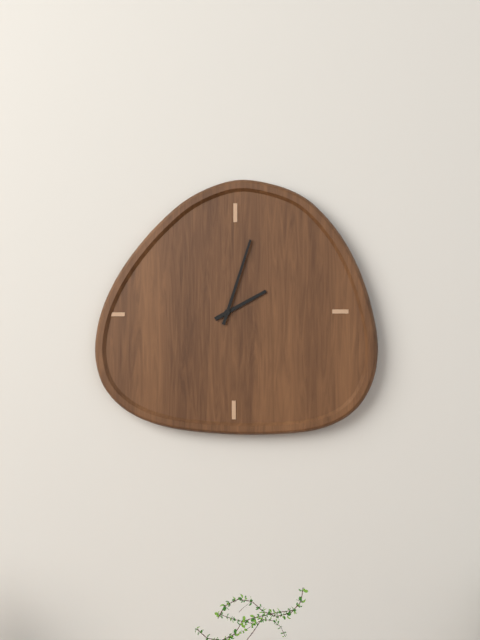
2:03
